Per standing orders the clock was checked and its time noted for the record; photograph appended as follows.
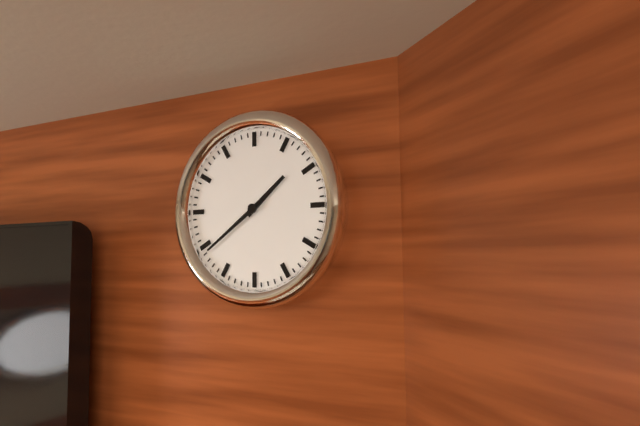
1:39
